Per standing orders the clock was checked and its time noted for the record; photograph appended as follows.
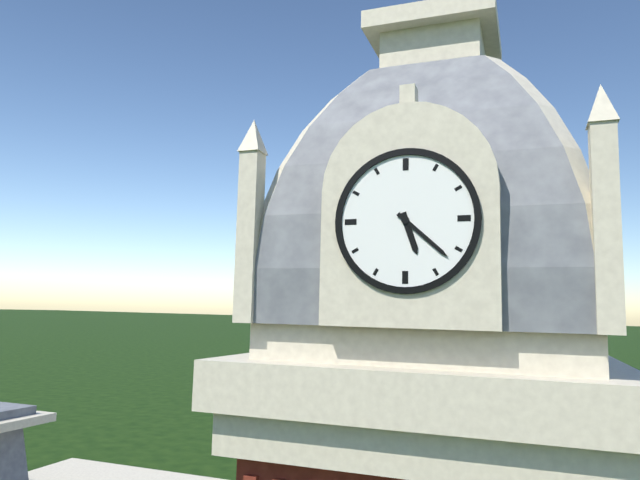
5:22
